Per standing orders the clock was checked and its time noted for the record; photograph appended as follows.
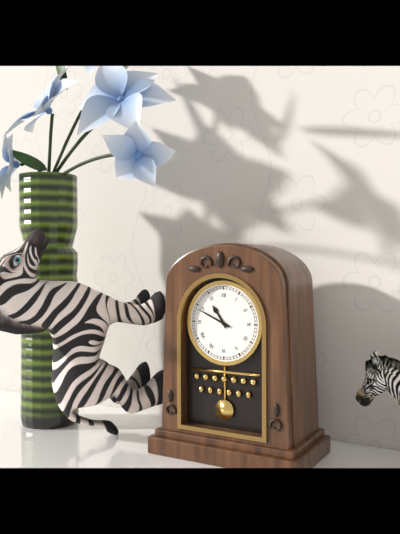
10:49
